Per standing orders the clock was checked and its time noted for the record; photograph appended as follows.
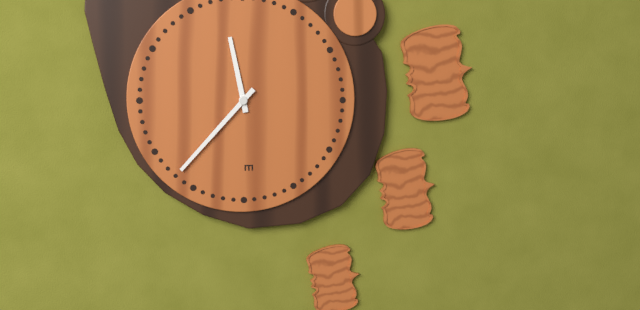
11:37
